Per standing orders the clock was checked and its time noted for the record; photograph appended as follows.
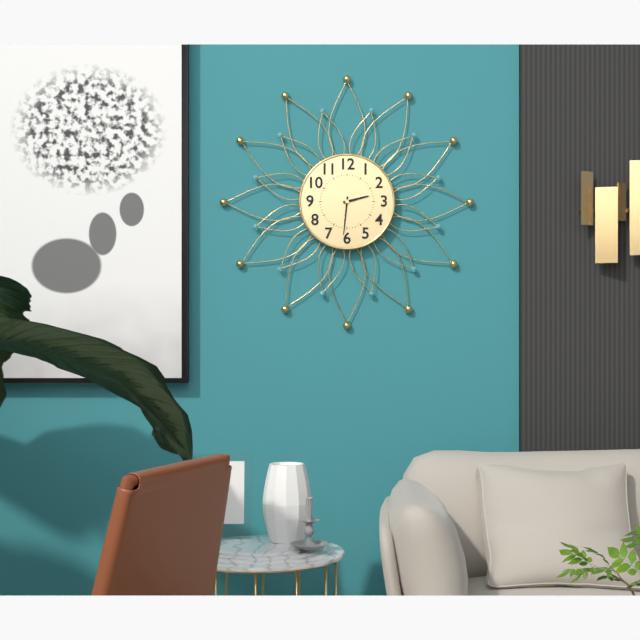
2:31
